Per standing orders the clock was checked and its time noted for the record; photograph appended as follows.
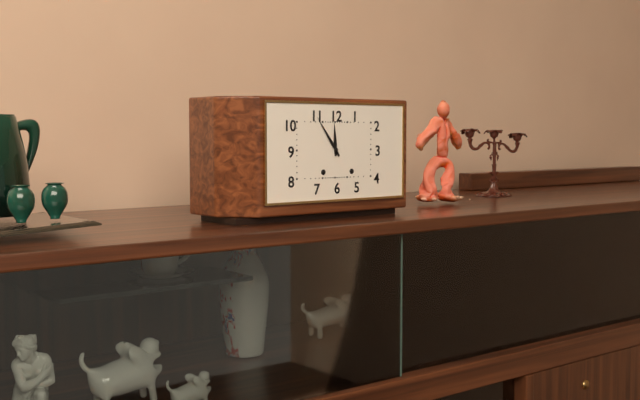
11:54
